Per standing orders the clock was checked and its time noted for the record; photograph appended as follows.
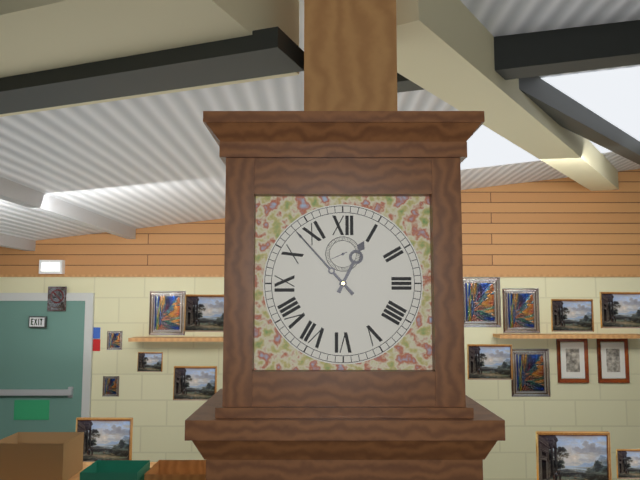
12:53
